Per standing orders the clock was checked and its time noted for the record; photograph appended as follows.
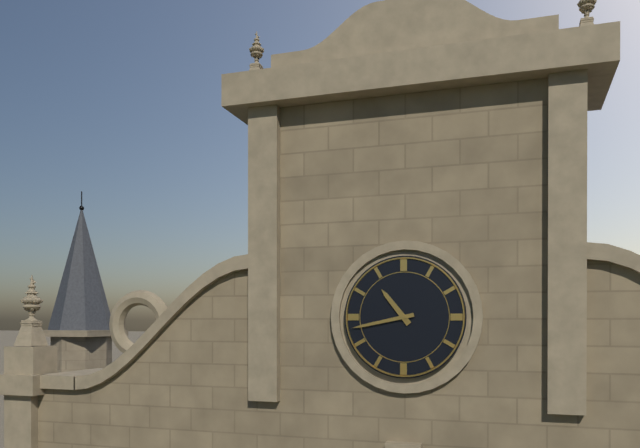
10:43
